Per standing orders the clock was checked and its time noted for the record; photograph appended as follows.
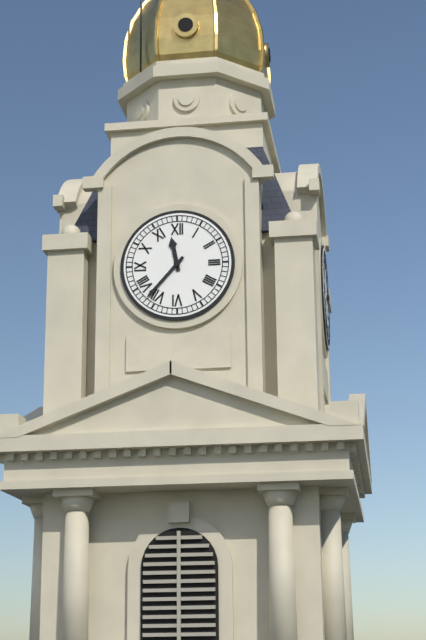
11:37
